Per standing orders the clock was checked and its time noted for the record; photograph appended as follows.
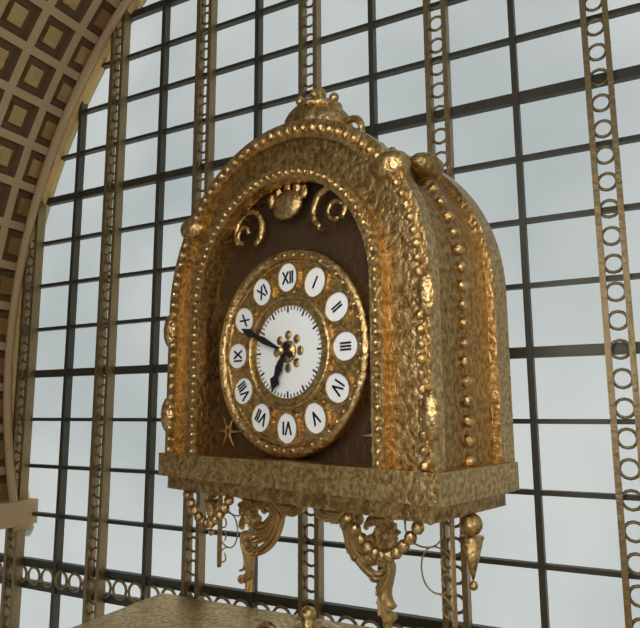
6:49
